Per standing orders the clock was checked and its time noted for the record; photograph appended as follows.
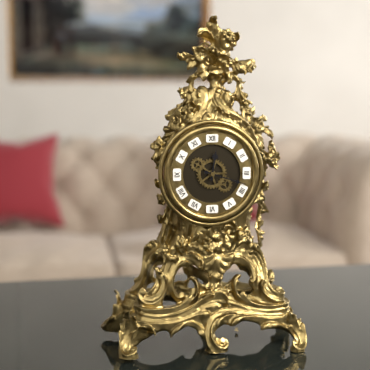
12:18
